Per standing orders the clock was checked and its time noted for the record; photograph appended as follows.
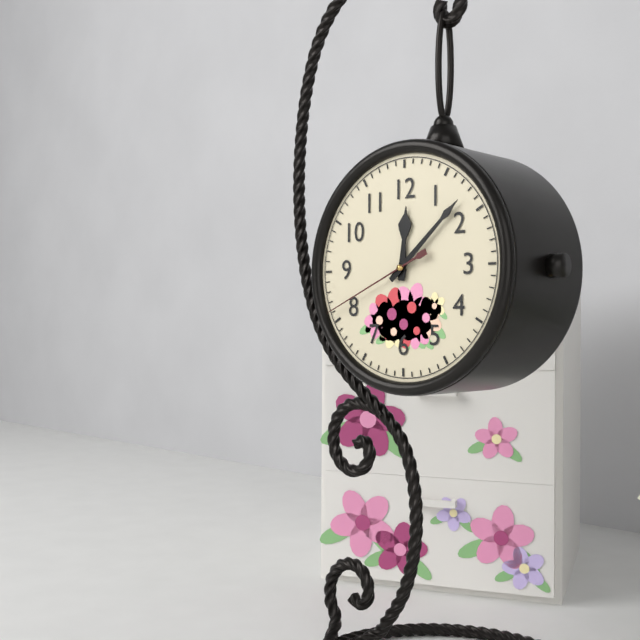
12:08:41
